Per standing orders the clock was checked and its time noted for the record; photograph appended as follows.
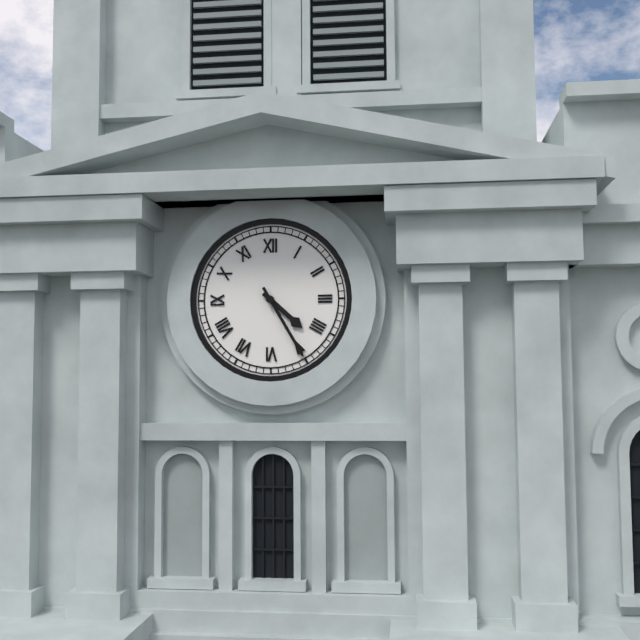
4:25
